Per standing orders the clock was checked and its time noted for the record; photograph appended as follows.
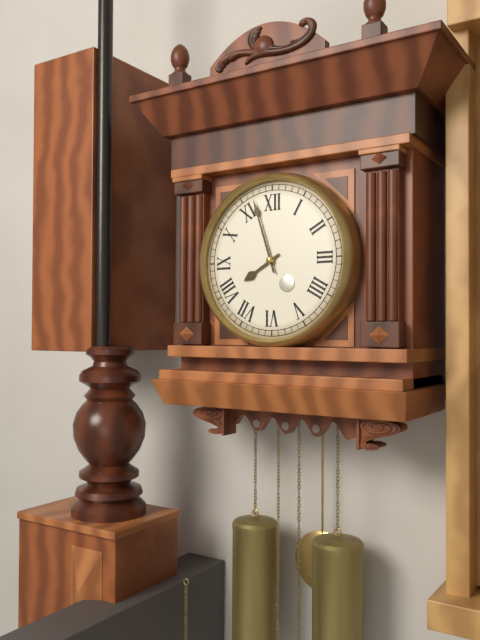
7:57
